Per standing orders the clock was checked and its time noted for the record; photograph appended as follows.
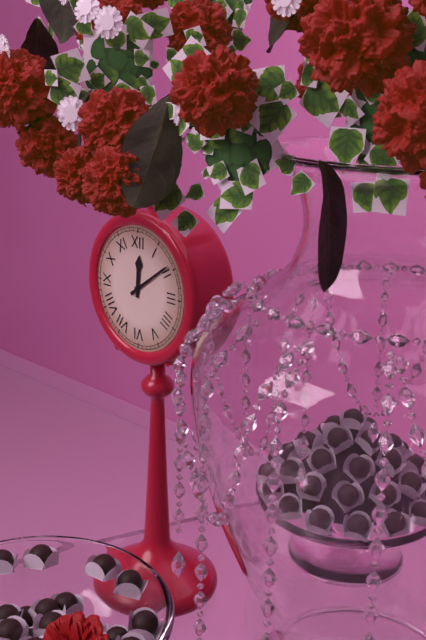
12:09
